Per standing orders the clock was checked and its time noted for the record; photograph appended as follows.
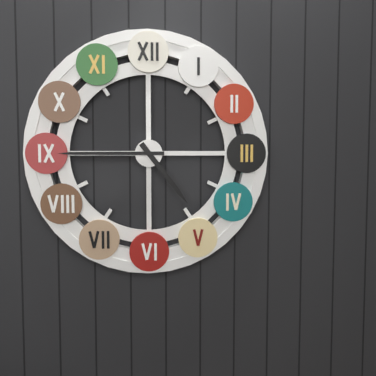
4:45
